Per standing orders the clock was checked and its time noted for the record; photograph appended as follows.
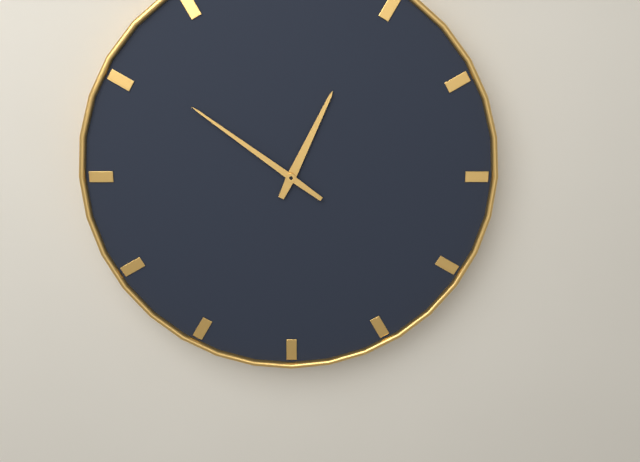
12:51
